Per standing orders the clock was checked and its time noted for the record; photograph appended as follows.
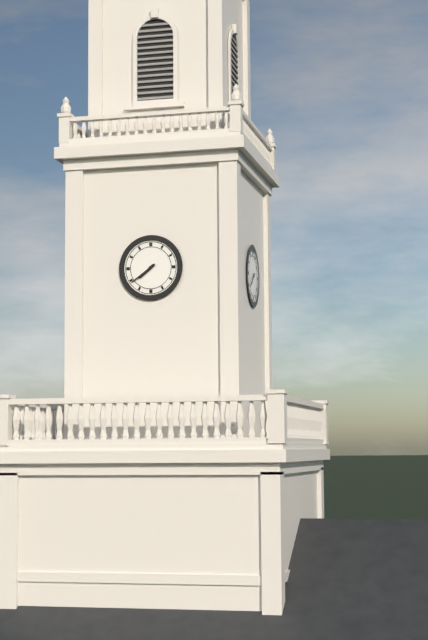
7:39
